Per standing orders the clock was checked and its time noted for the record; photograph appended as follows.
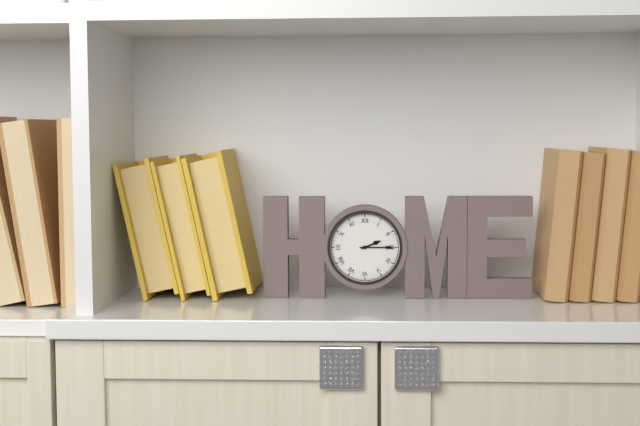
2:15
